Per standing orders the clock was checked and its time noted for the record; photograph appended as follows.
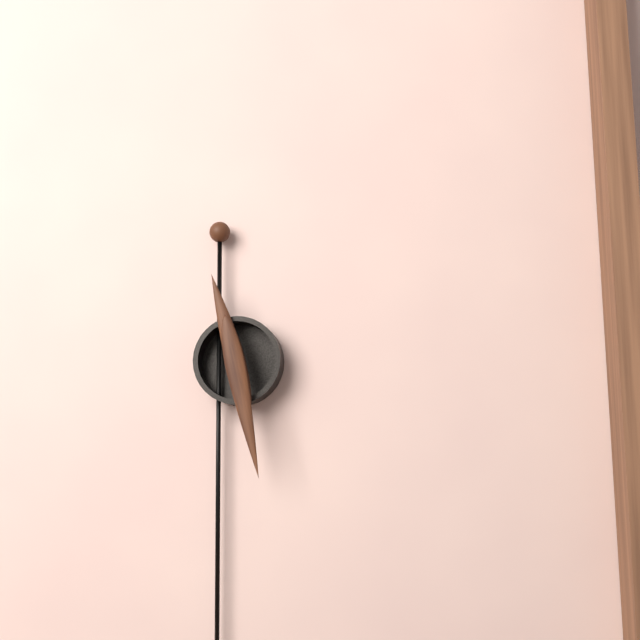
11:28
